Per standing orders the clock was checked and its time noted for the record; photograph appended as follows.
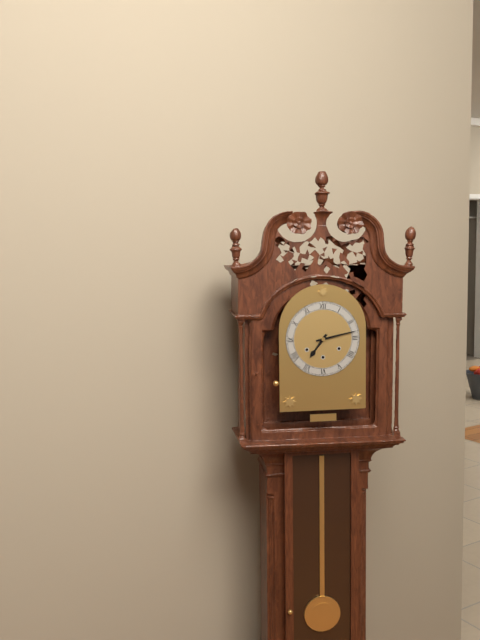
7:13
